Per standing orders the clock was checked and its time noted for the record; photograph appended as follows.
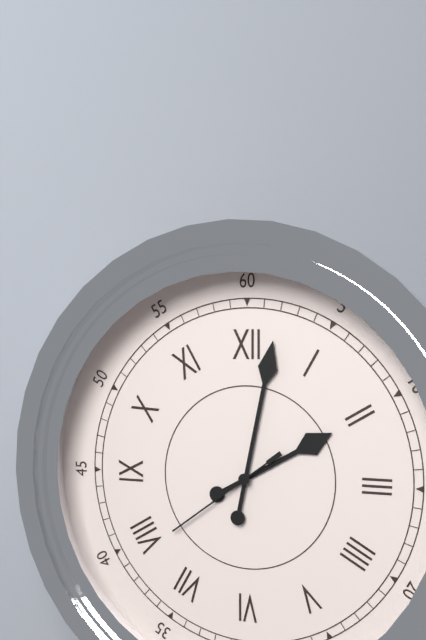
2:02:39
